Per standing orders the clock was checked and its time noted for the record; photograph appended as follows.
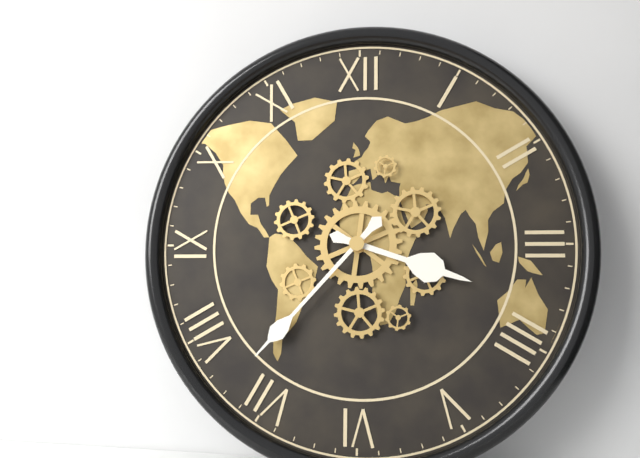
3:37
